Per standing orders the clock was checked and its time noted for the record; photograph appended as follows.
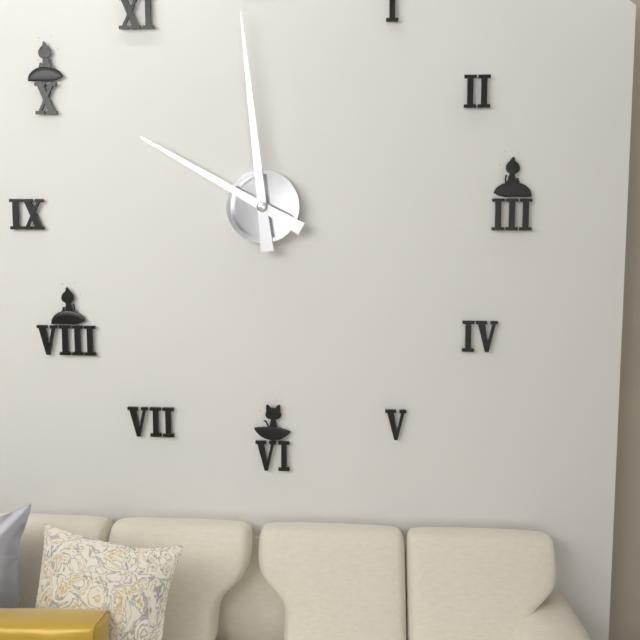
9:59
